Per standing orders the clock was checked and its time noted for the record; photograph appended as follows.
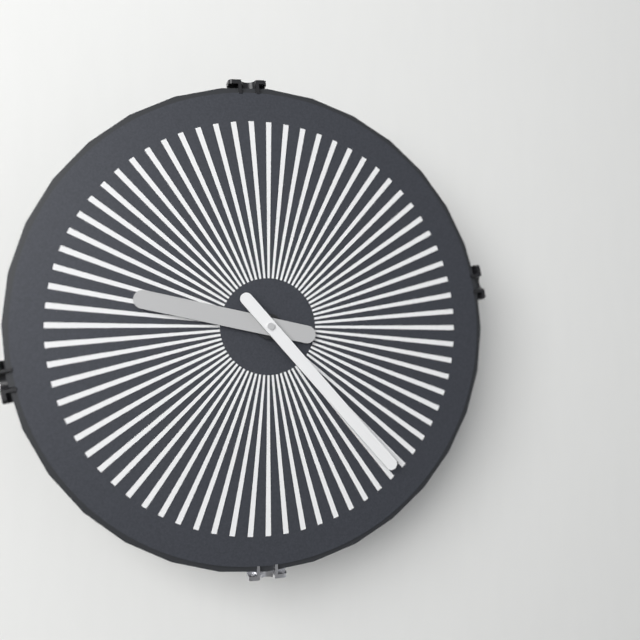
9:23
